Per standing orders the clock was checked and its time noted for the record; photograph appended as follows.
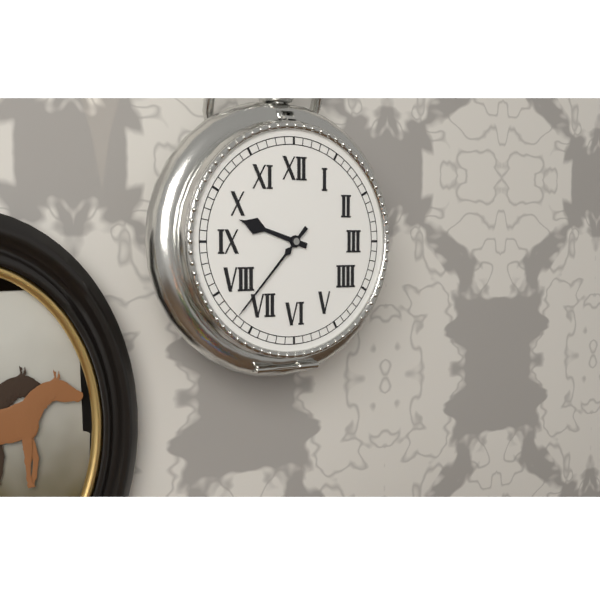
9:37
